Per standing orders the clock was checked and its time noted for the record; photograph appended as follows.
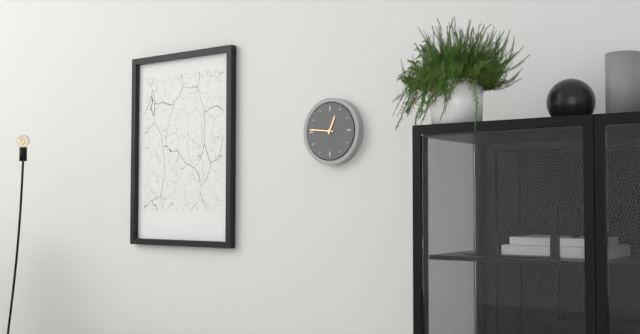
12:46
